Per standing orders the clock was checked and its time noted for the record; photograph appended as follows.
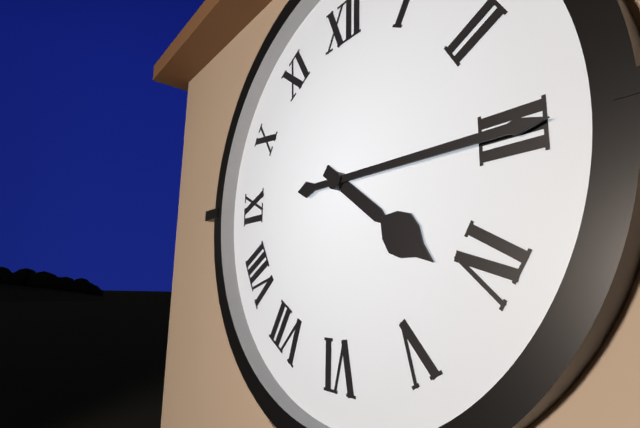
4:15
